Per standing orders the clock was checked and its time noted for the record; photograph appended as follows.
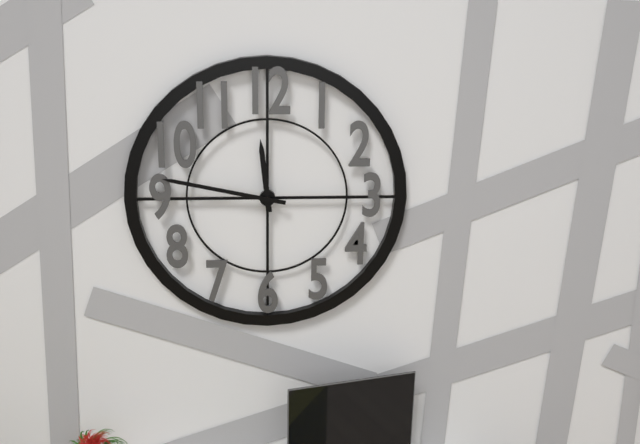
11:47
